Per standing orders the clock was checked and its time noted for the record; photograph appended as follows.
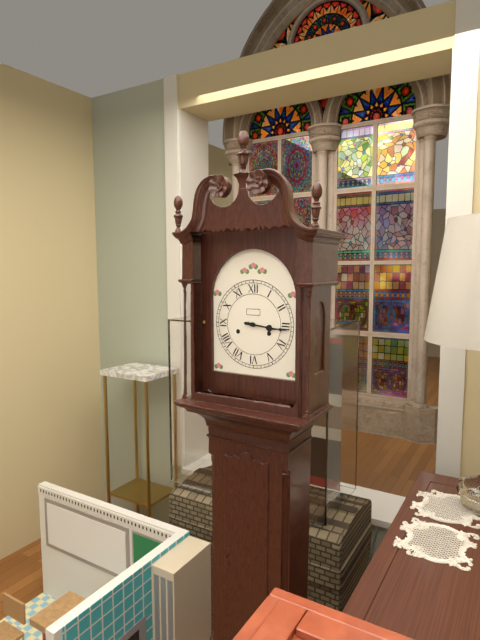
3:16
